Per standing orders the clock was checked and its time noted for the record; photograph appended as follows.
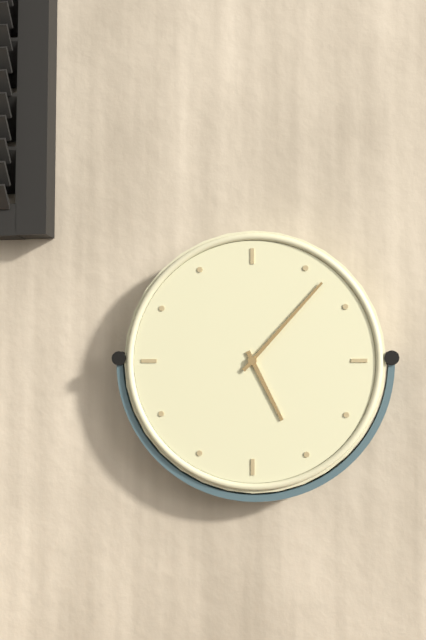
5:07
